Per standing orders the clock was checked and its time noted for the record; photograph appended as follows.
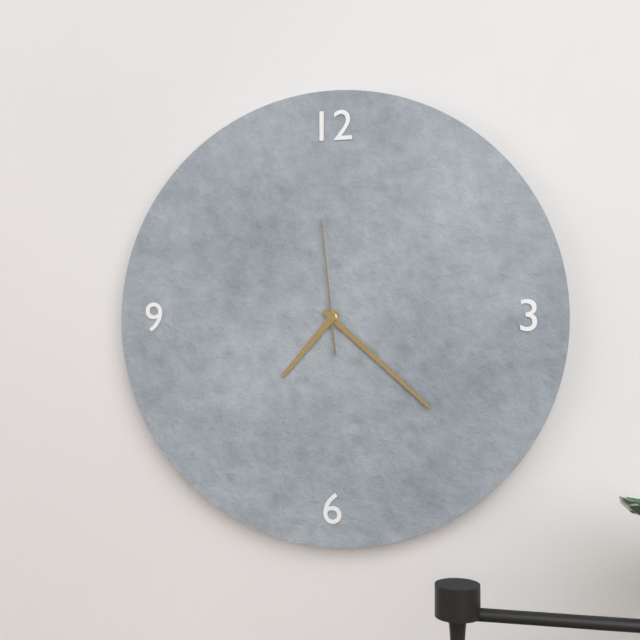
7:22:59
